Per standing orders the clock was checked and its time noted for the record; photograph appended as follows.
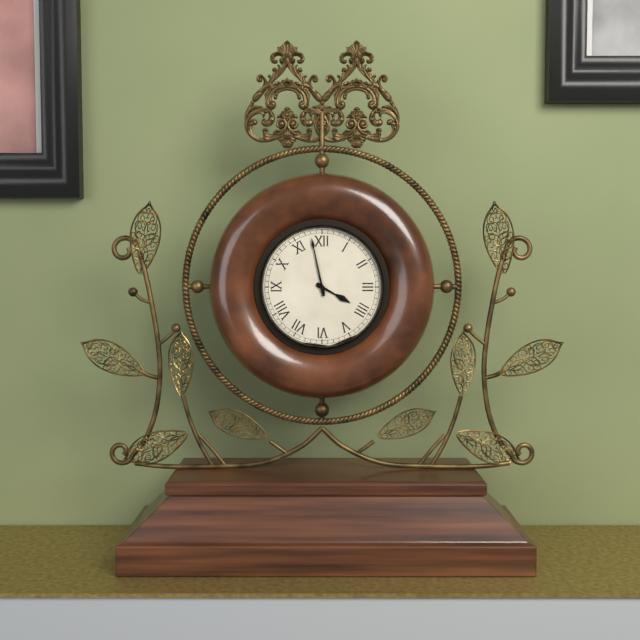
3:58
